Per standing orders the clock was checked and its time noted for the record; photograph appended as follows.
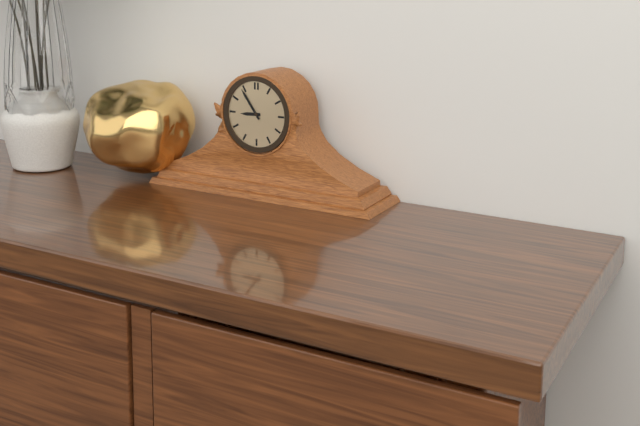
8:54
